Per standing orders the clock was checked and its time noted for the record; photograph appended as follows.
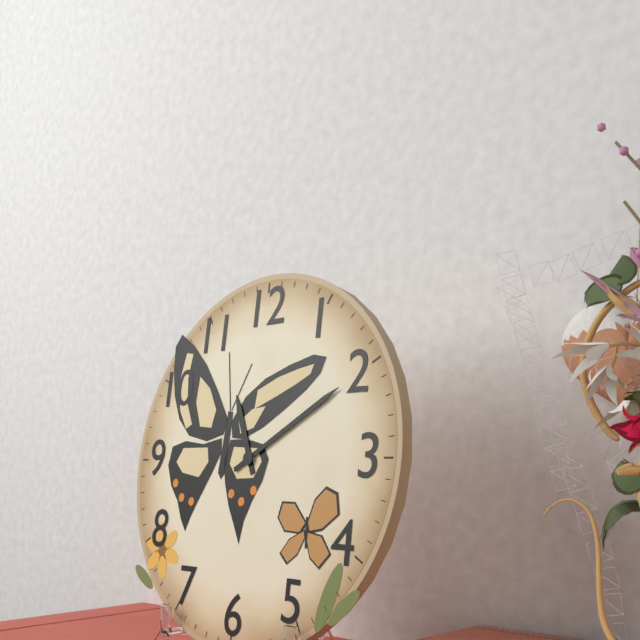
11:10
